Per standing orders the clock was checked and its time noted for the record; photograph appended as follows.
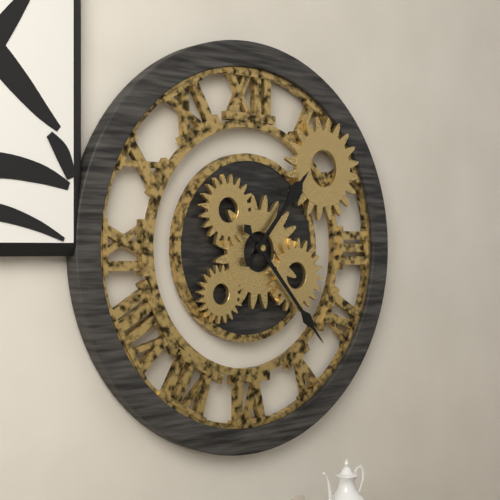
1:23
